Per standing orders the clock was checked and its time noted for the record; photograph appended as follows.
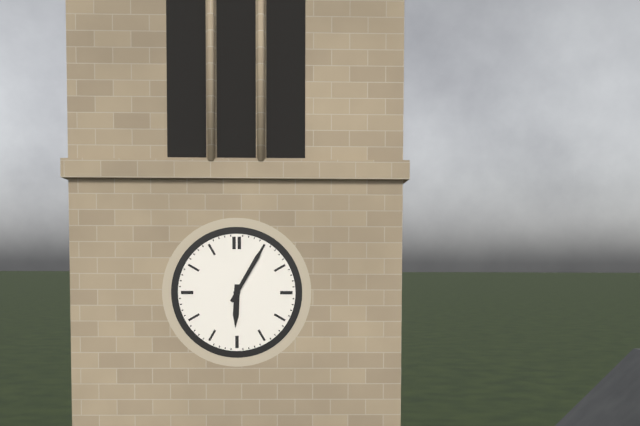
6:05
